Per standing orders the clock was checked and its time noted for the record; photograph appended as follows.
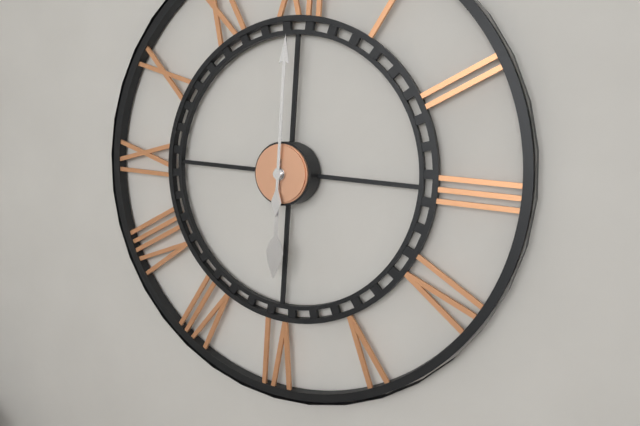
6:00
